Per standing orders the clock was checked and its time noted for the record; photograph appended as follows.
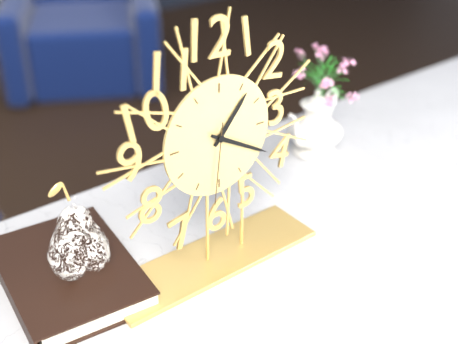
1:20:31
